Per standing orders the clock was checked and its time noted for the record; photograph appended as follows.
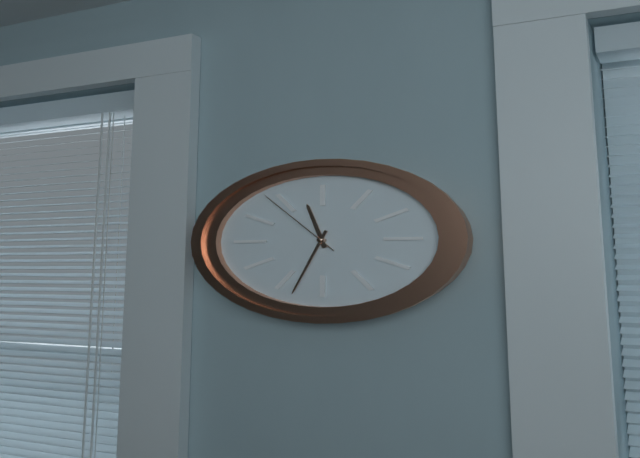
11:33:54
